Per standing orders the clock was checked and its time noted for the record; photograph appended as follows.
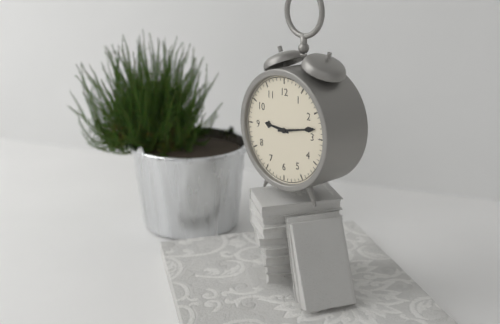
9:13
